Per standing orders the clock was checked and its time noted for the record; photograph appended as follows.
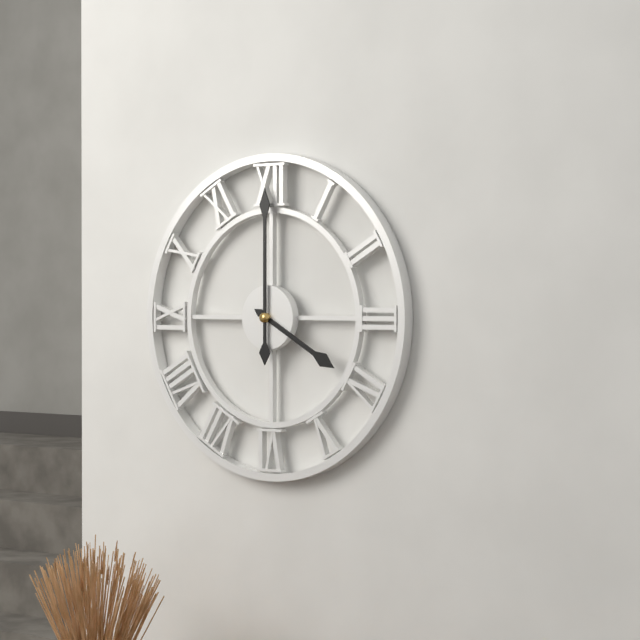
4:00
